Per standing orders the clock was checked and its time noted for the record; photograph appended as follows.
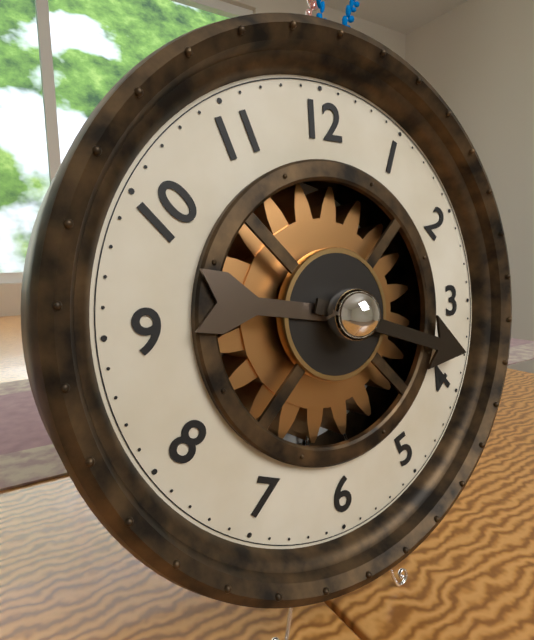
9:18
